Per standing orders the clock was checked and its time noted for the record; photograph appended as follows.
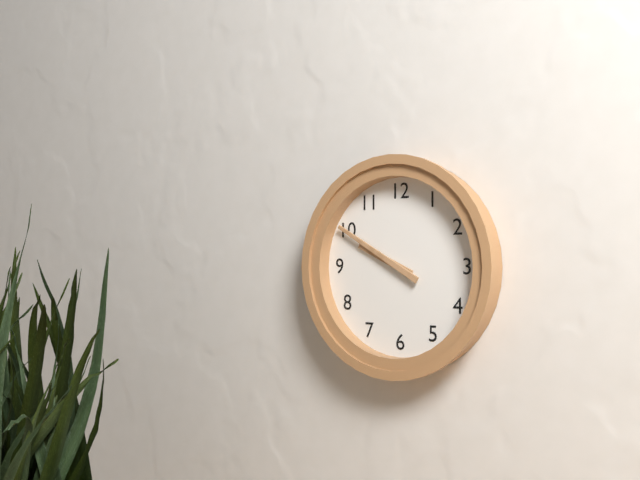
9:50
